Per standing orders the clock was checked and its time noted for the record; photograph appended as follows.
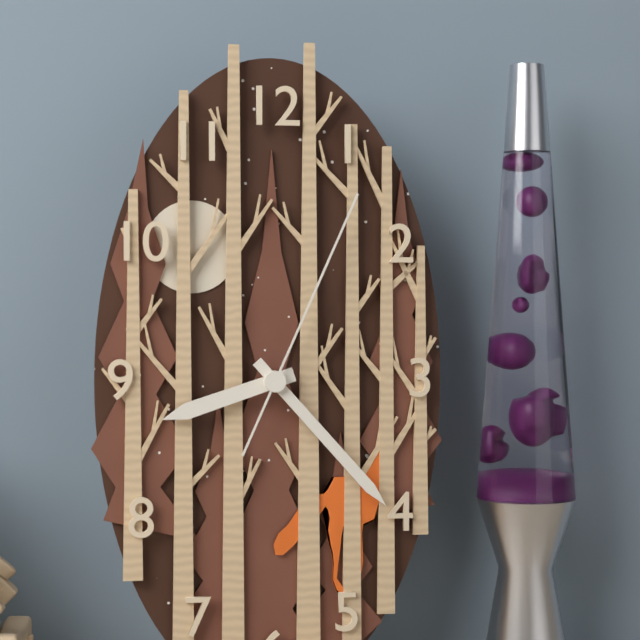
8:23:04
